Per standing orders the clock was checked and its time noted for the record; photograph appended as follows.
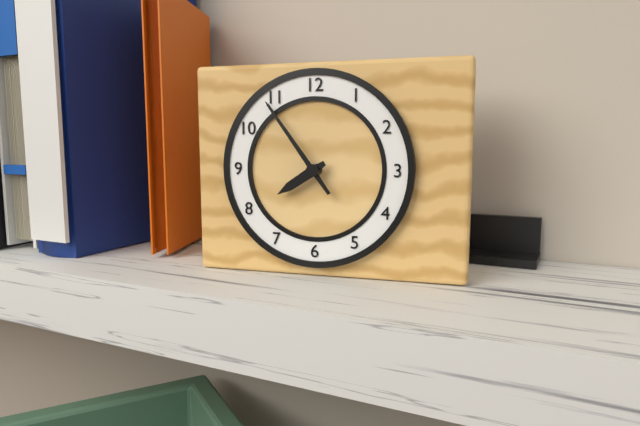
7:54
